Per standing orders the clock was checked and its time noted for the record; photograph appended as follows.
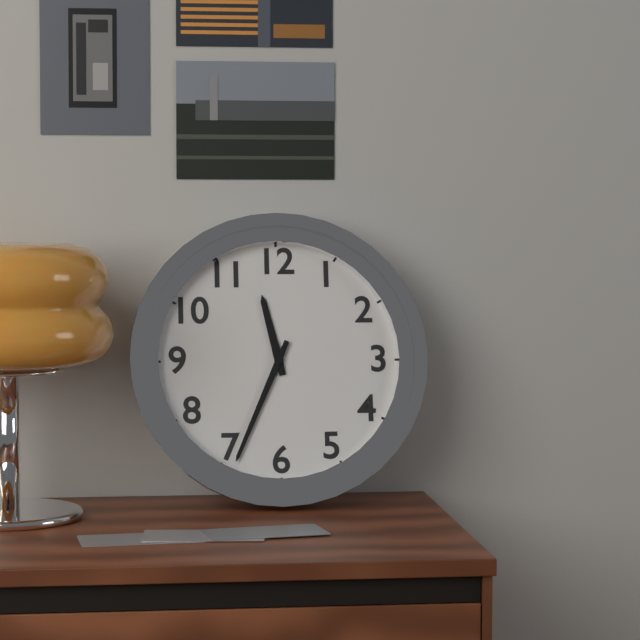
11:34
